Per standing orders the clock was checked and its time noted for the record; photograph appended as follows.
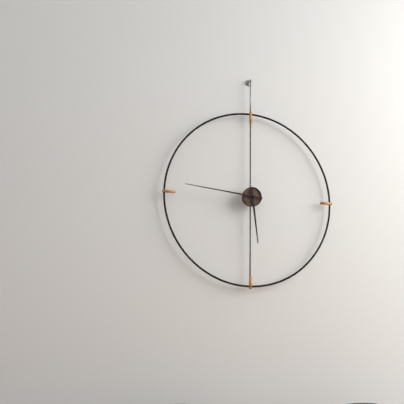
5:46
